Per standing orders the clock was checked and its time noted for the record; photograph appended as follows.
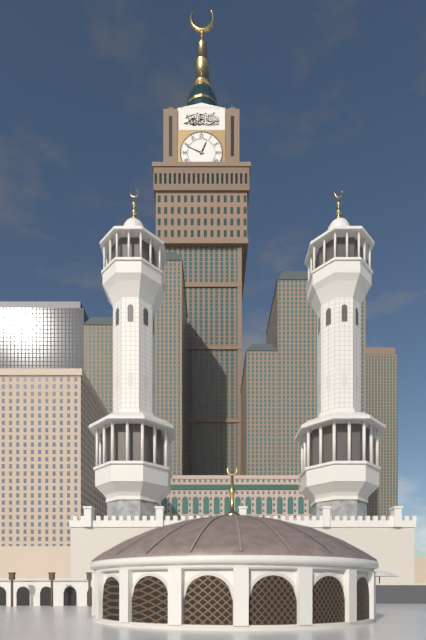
12:49
